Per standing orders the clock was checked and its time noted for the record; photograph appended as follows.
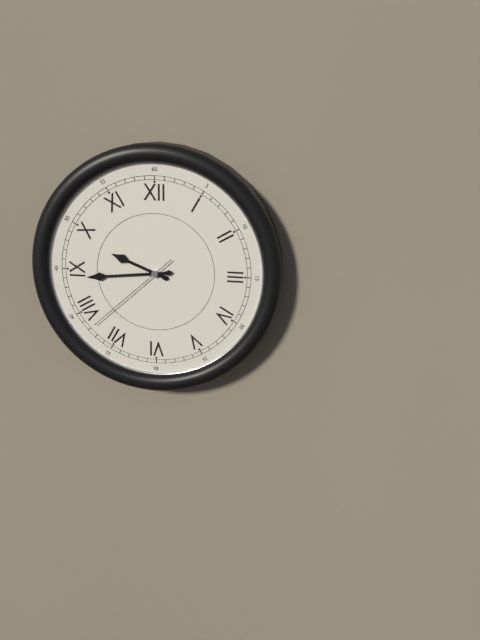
9:44:38
